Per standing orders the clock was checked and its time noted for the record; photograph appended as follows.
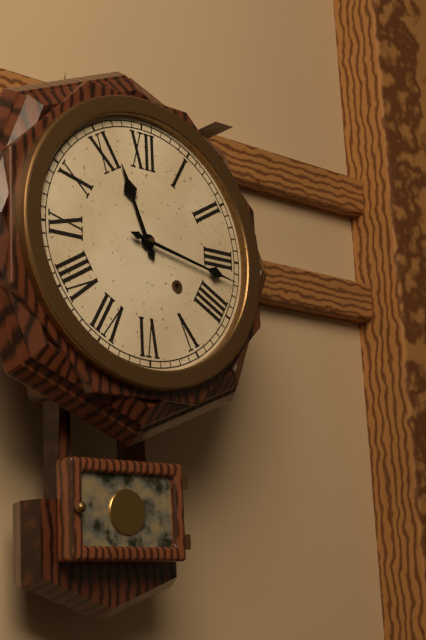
11:17
